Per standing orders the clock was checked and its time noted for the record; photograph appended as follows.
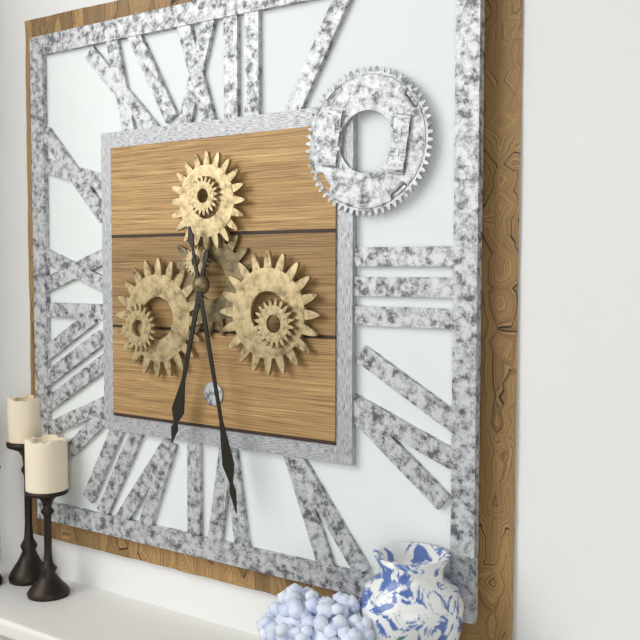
6:28
